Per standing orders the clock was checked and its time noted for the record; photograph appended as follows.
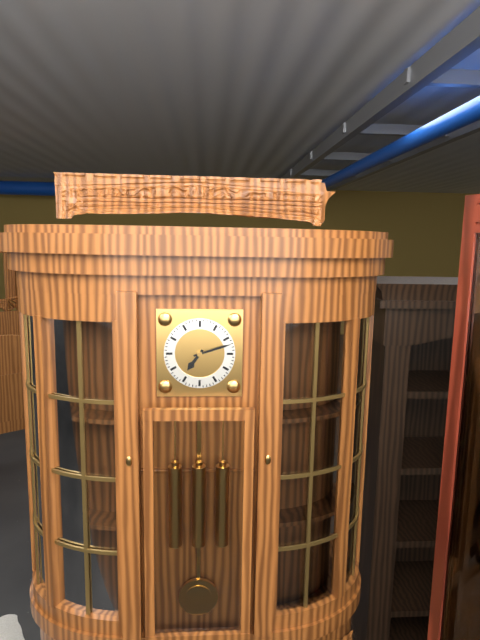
7:12
